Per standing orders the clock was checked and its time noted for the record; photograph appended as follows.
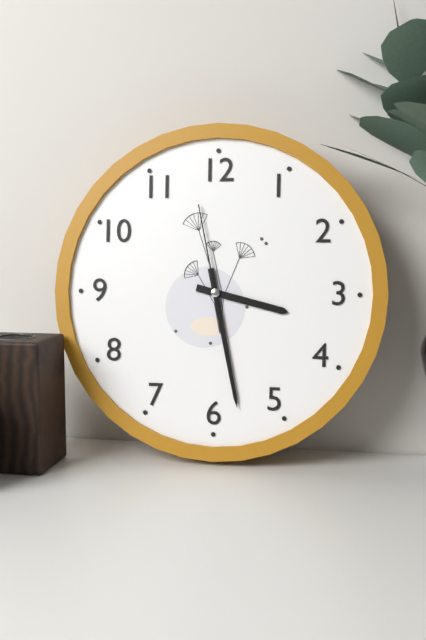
3:28:58
